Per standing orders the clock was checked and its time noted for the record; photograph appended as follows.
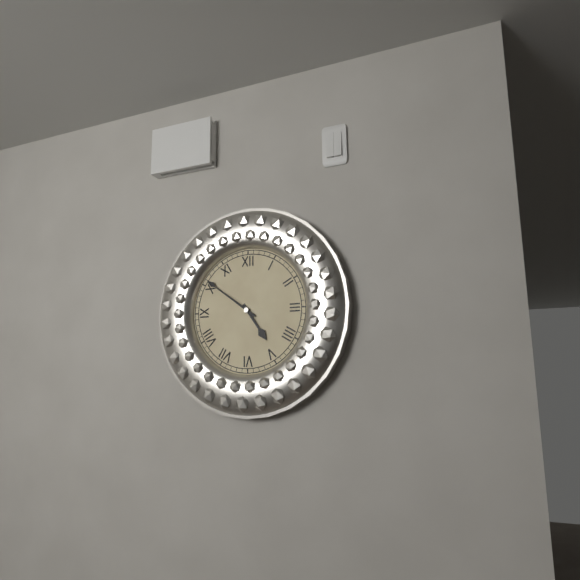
4:51
